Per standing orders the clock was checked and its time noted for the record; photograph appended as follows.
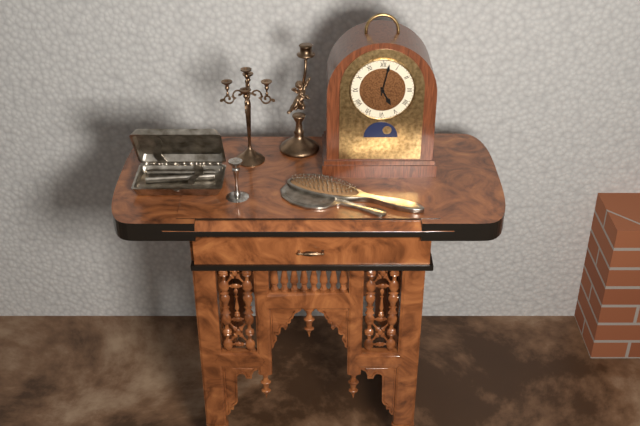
5:02
